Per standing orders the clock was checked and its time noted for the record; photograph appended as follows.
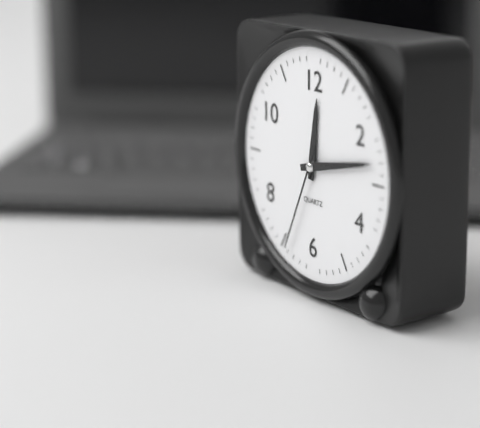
12:13:34
